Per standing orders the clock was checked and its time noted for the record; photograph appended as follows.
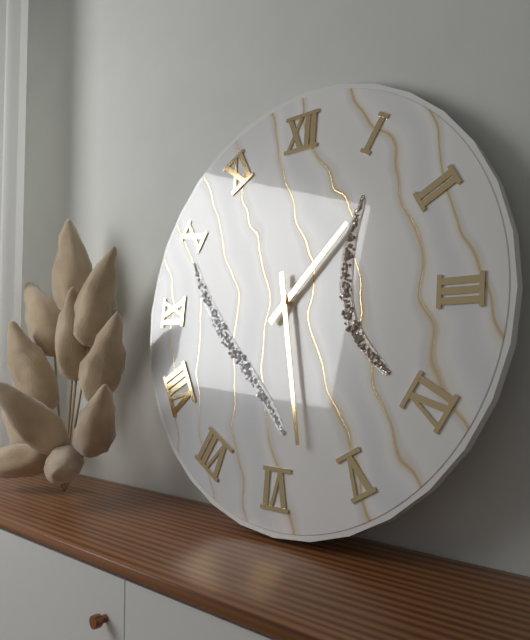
1:28
